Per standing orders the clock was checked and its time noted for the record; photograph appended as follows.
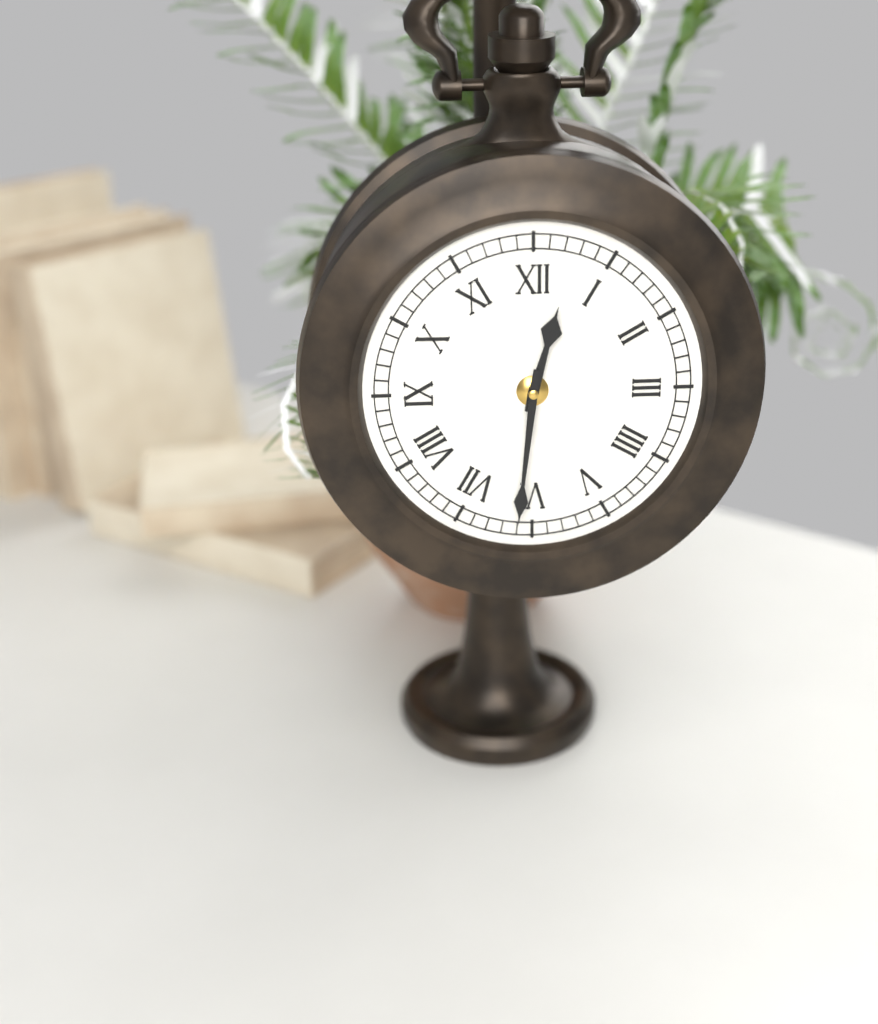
12:31
